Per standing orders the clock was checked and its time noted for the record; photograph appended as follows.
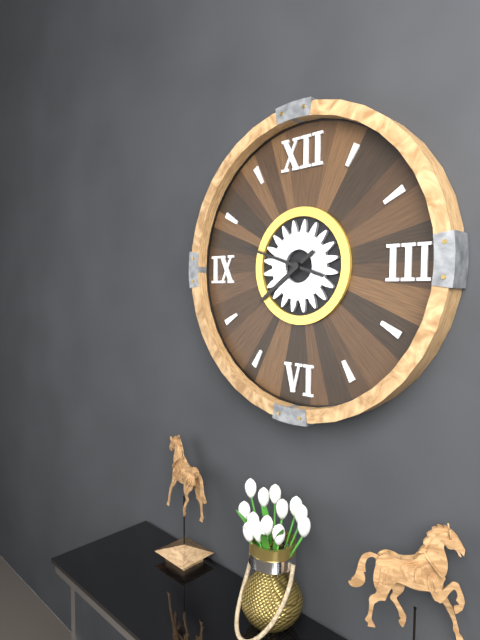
7:48
